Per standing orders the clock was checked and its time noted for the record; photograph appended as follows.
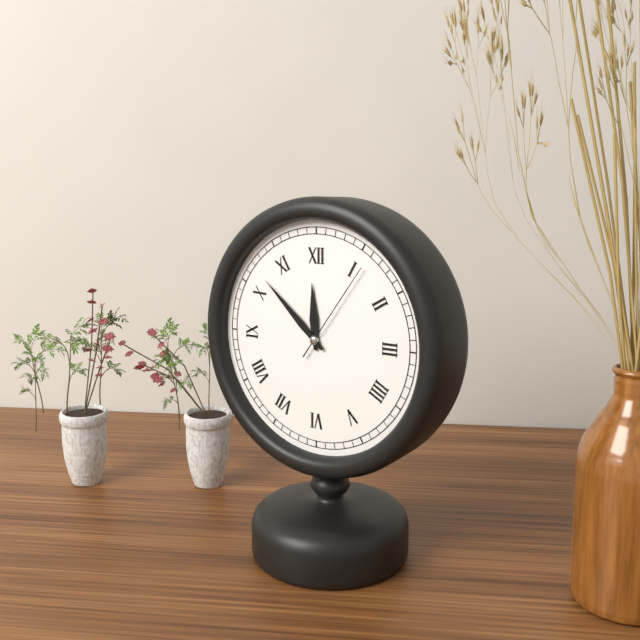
11:52:06
